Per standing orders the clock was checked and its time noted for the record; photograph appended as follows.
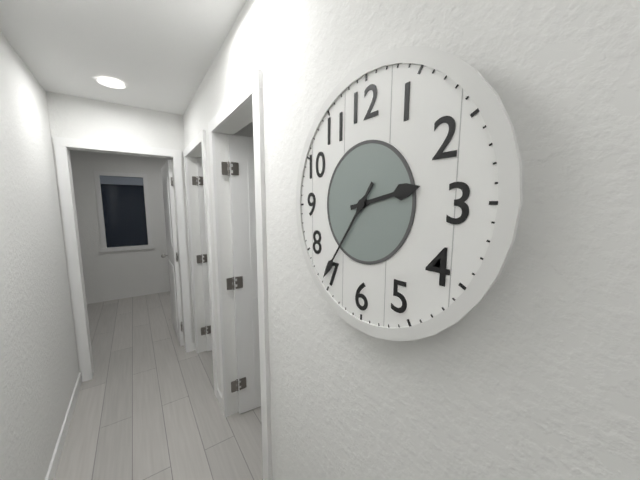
2:36
